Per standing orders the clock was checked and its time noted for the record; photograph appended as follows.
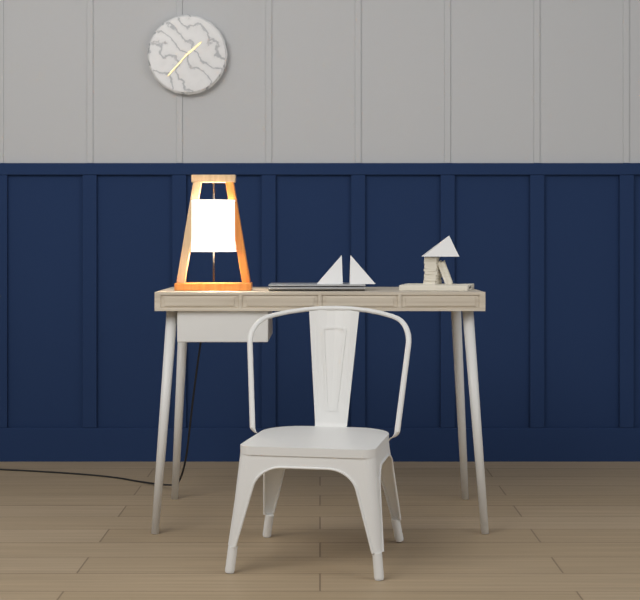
1:37
